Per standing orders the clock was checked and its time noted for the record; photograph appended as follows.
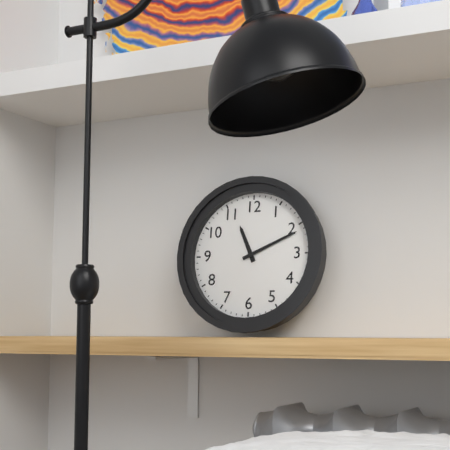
11:11
